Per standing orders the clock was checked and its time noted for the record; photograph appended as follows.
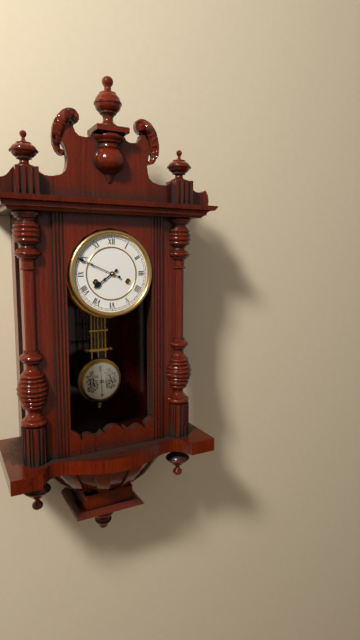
7:49
